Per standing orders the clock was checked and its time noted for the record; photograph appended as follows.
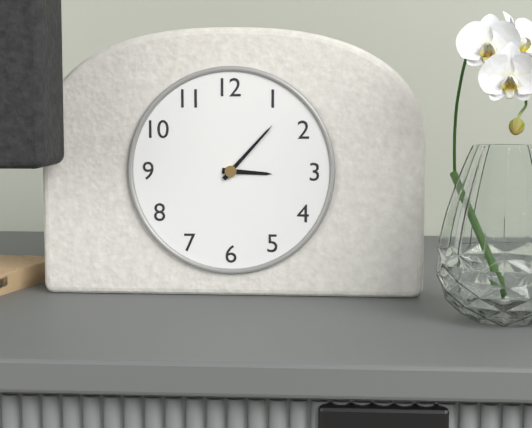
3:07
